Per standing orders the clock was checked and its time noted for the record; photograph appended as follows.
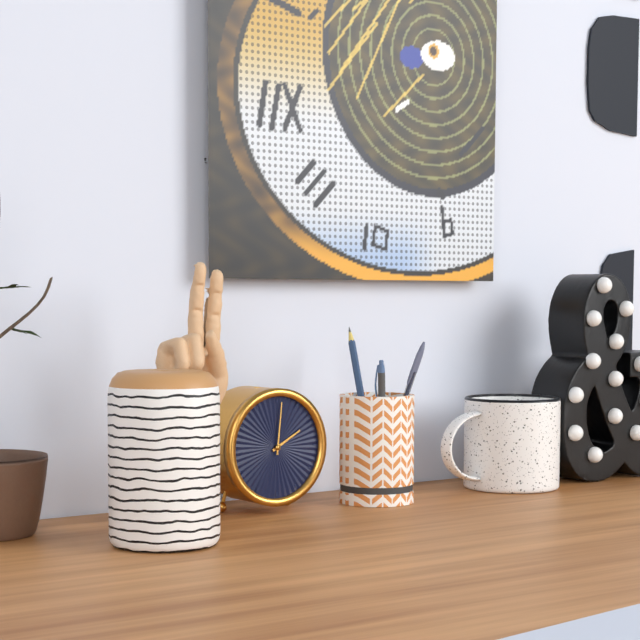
2:01
